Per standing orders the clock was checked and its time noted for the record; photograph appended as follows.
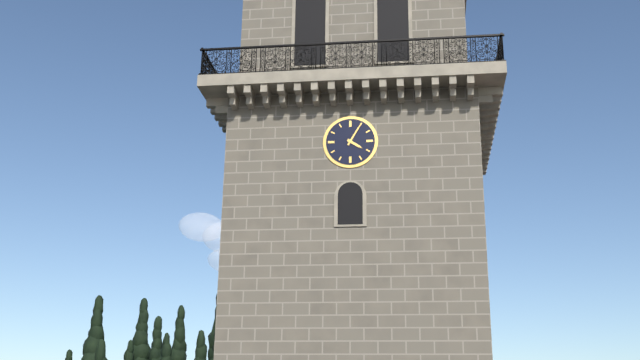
4:05
